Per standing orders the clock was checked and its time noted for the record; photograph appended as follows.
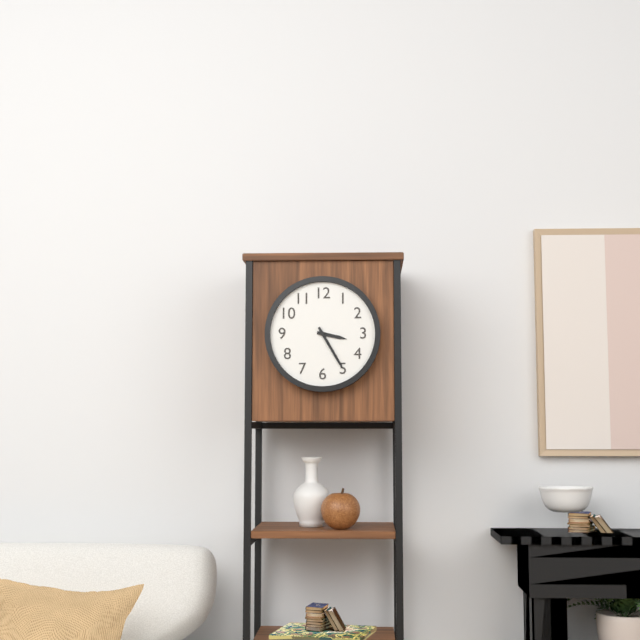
3:25
